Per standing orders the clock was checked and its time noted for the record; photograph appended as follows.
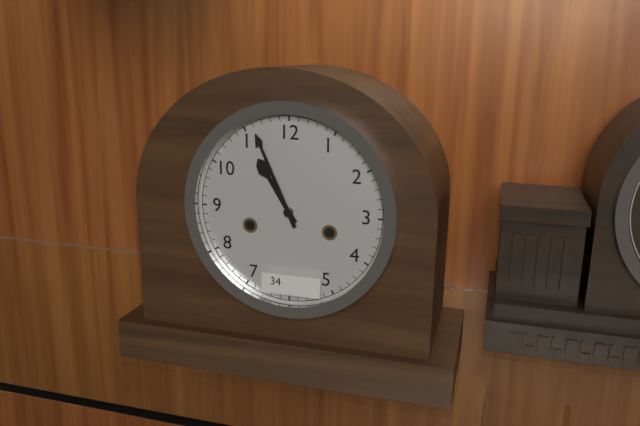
10:56
